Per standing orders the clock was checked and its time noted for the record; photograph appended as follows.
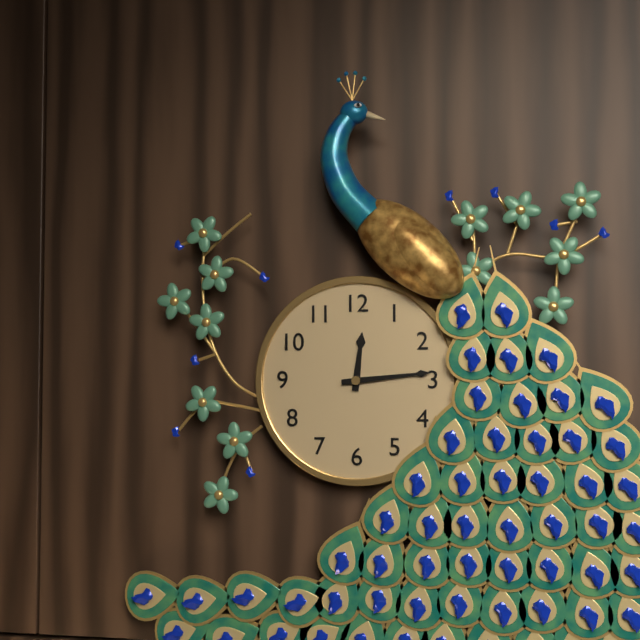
12:14
